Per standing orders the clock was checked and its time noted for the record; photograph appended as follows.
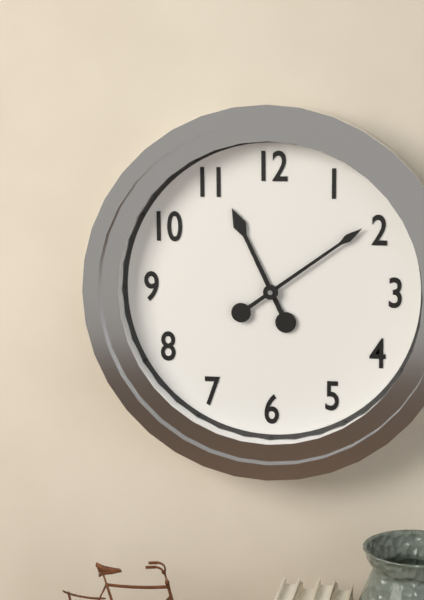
11:09
